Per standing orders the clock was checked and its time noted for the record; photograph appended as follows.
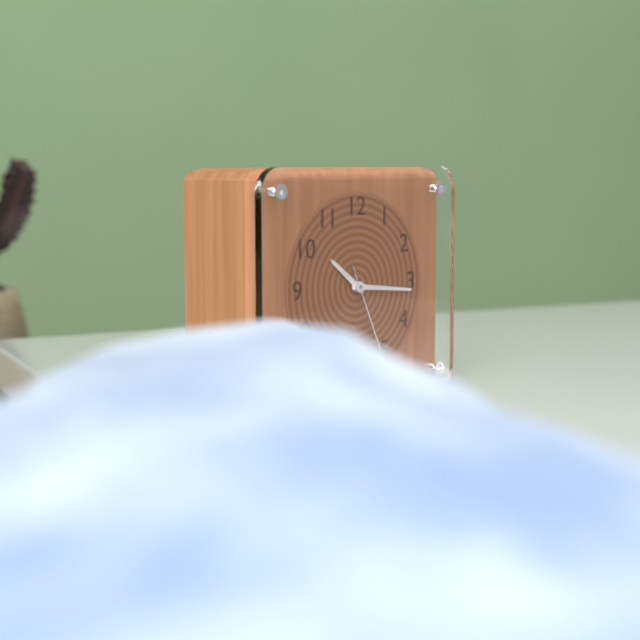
10:16:26
